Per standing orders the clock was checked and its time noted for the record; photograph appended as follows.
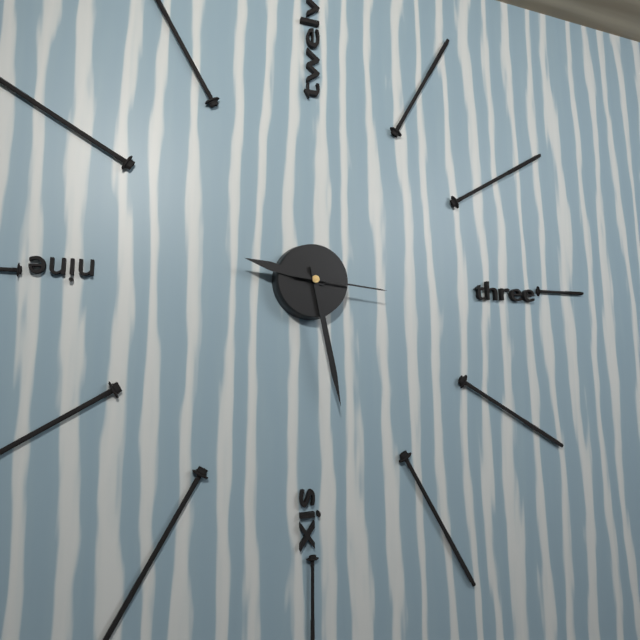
9:28:16
